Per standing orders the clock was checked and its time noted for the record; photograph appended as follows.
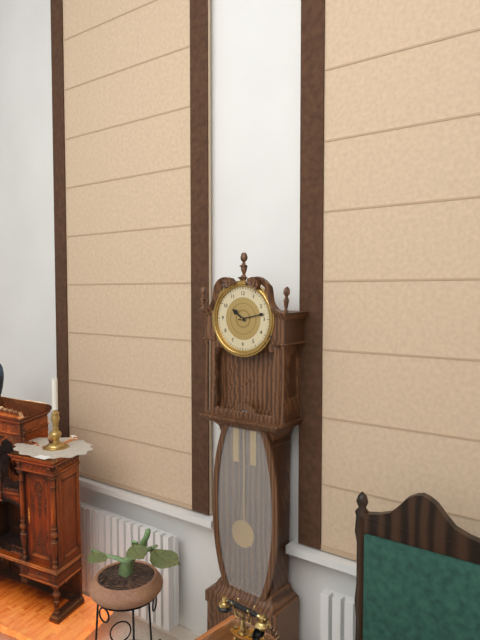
10:13
